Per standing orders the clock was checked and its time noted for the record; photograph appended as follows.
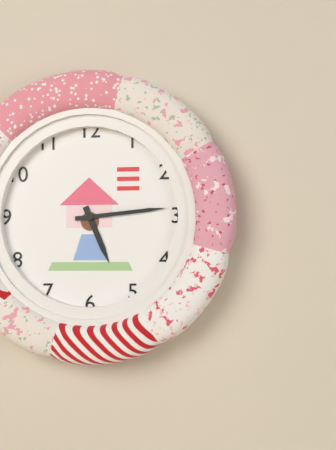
5:14
